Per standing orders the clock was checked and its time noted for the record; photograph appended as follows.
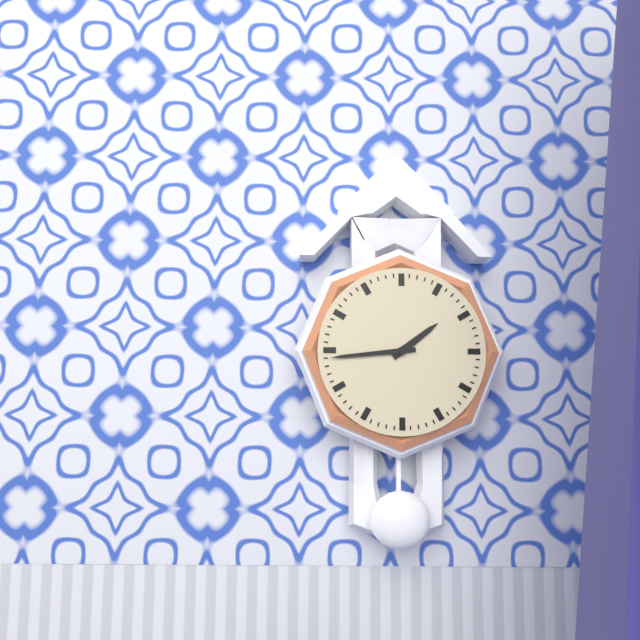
1:44
